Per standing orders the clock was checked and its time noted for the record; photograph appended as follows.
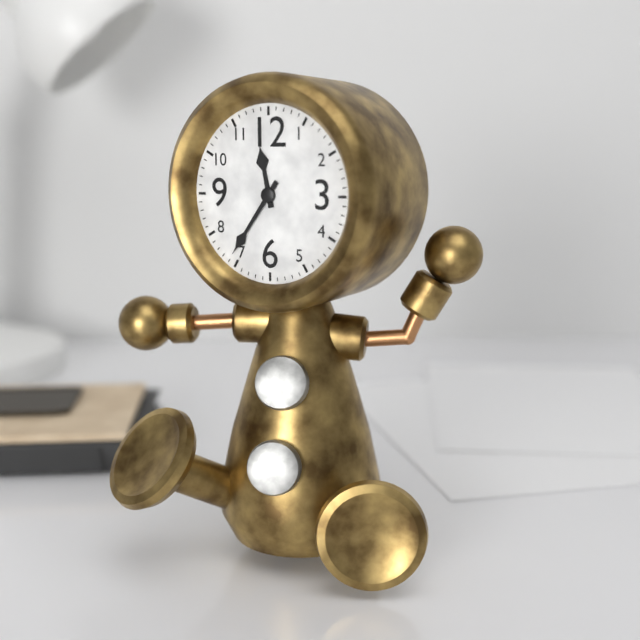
11:36
